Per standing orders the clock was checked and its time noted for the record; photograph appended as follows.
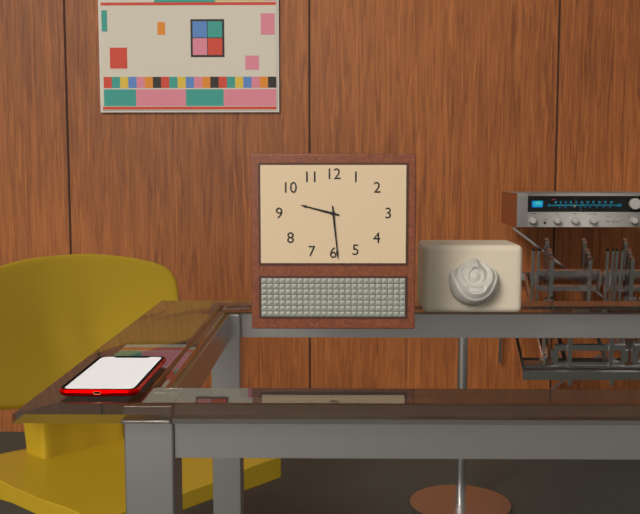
9:29
